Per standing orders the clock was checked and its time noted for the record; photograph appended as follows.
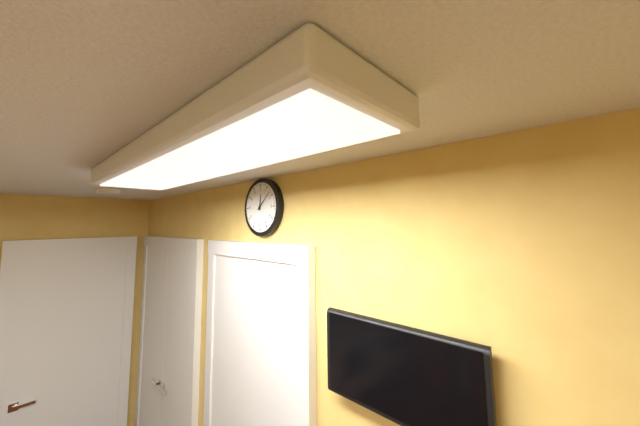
12:08
